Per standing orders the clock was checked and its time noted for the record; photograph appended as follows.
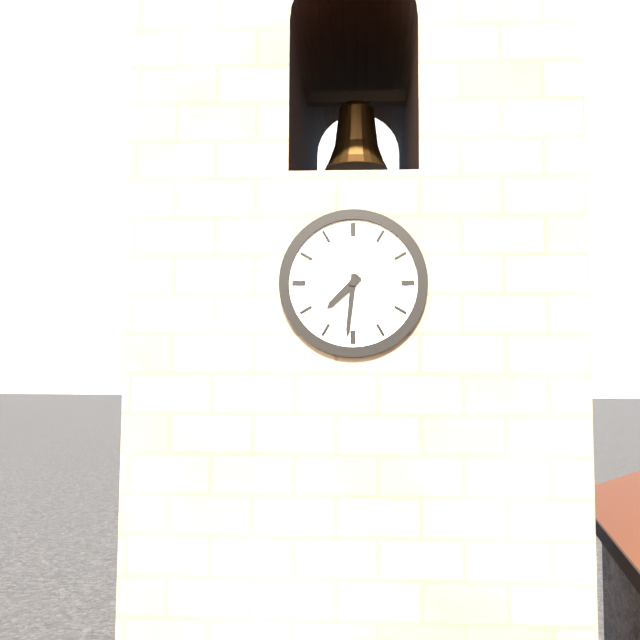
7:31
